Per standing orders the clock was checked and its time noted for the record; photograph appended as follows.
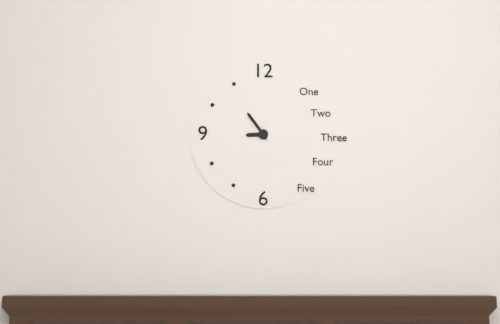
8:54
